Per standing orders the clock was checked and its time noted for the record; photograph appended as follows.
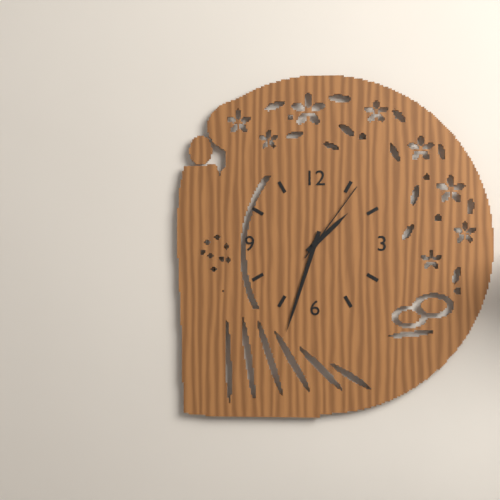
1:33:06
